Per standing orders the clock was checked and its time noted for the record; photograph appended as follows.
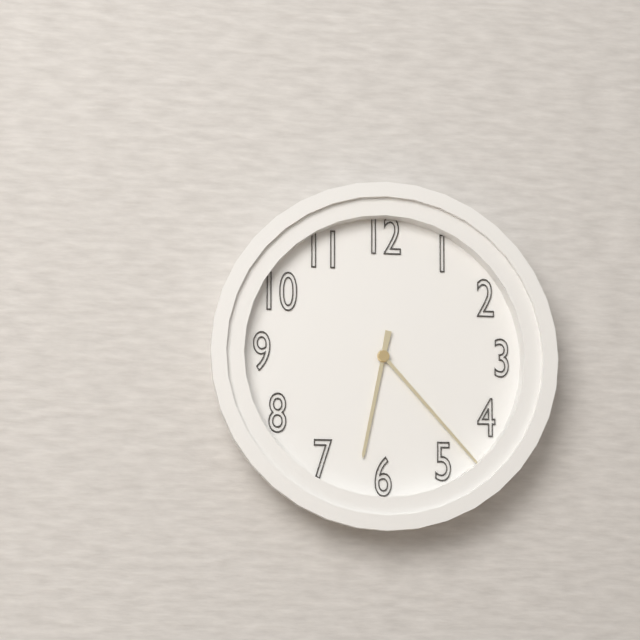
6:23
